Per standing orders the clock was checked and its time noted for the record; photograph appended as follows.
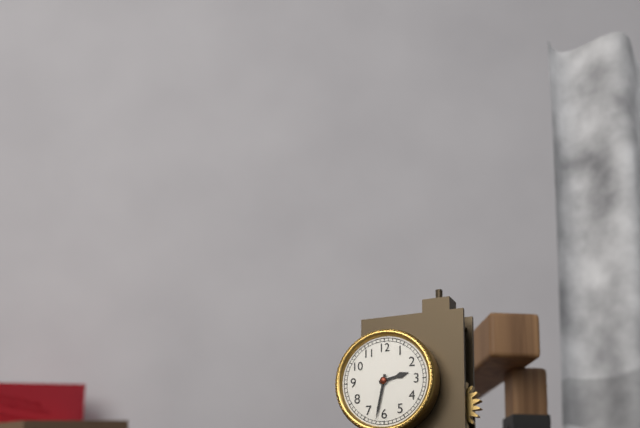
2:32
